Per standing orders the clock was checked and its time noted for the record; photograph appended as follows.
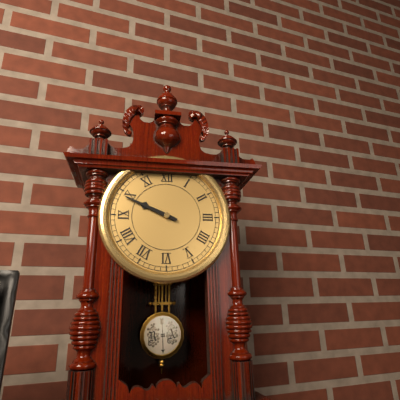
9:49
